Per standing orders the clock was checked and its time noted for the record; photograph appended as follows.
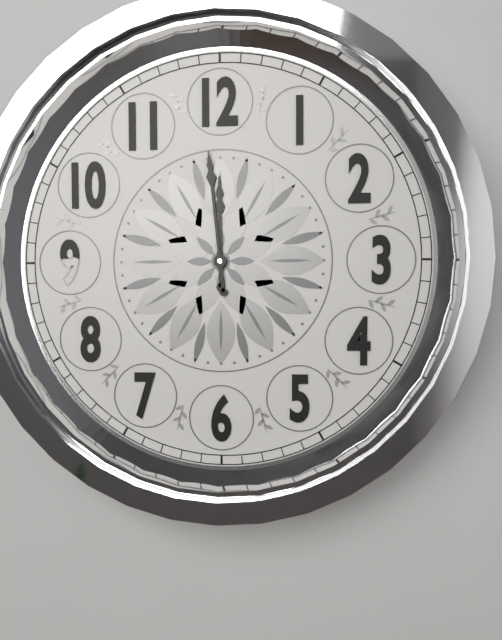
11:59
